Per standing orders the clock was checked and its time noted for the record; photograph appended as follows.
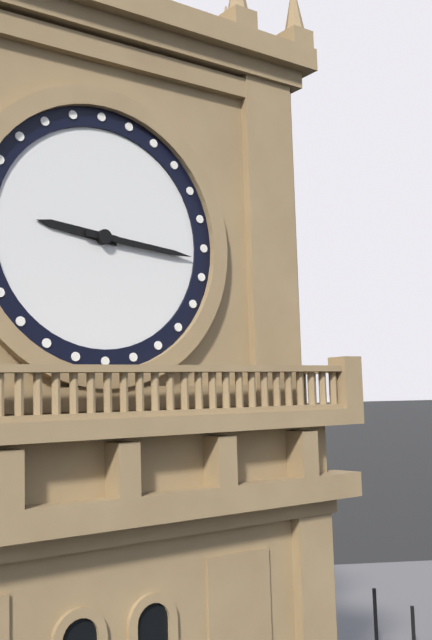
9:16
